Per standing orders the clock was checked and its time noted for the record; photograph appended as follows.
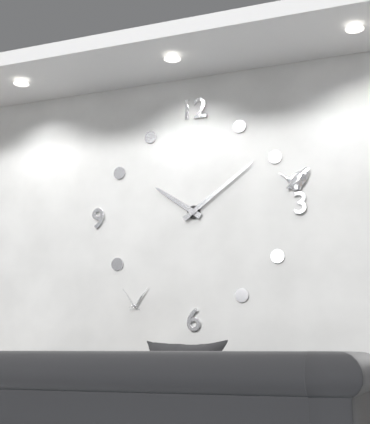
10:09
